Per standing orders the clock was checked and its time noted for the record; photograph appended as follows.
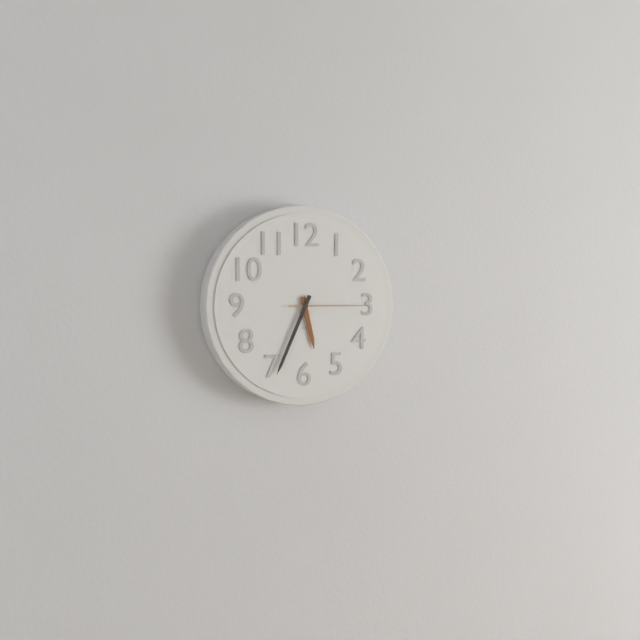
5:34:15
